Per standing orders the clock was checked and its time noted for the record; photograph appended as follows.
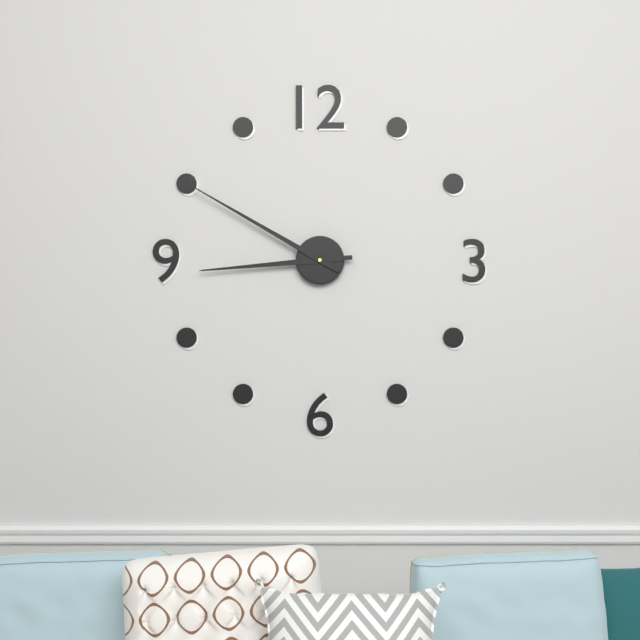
8:50
